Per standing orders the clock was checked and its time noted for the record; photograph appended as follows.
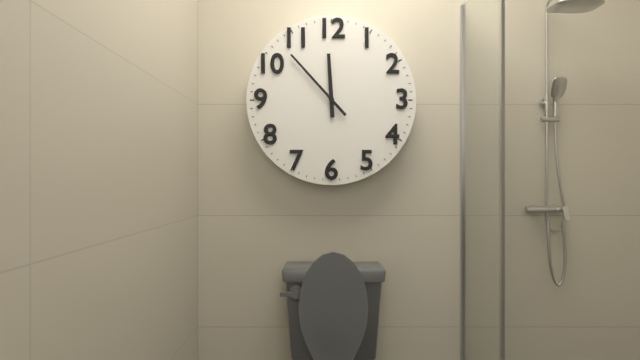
11:53
